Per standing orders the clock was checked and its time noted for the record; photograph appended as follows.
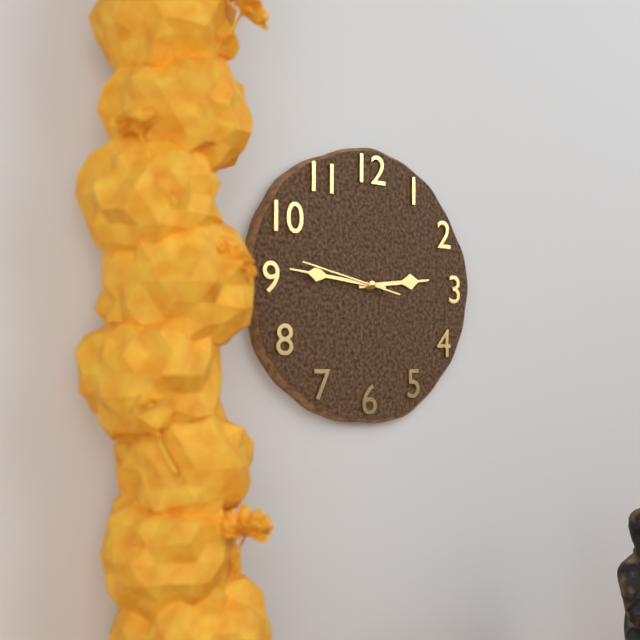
2:46:47
